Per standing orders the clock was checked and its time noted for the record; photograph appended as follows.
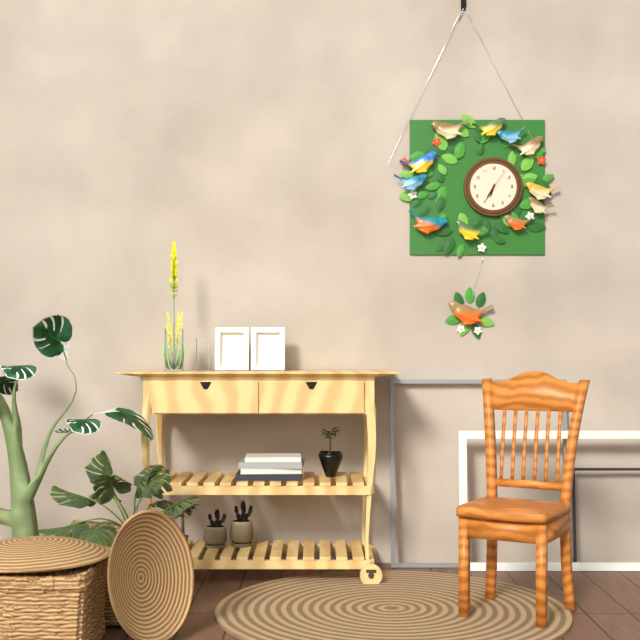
6:35
